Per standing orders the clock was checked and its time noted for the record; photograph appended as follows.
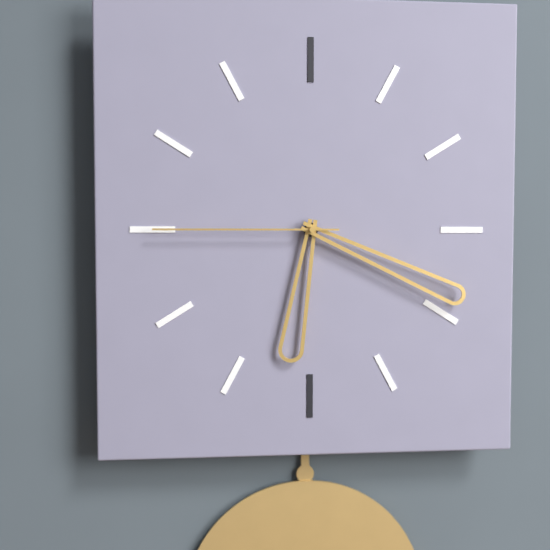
6:19:45
